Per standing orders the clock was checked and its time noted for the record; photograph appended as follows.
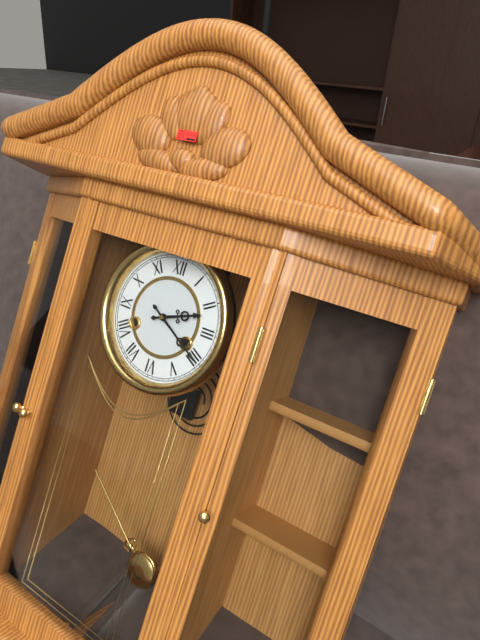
2:20
